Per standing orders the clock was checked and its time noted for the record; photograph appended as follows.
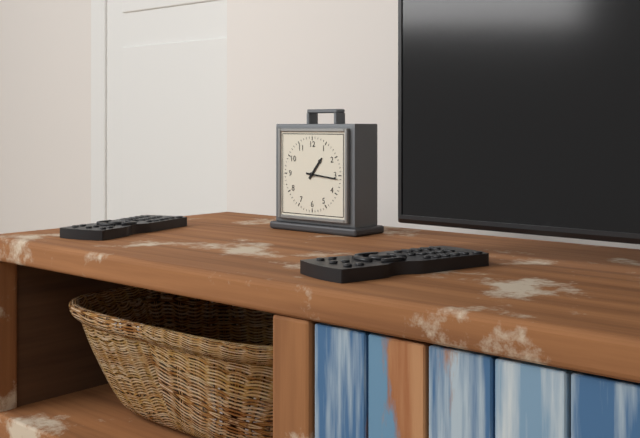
1:16
